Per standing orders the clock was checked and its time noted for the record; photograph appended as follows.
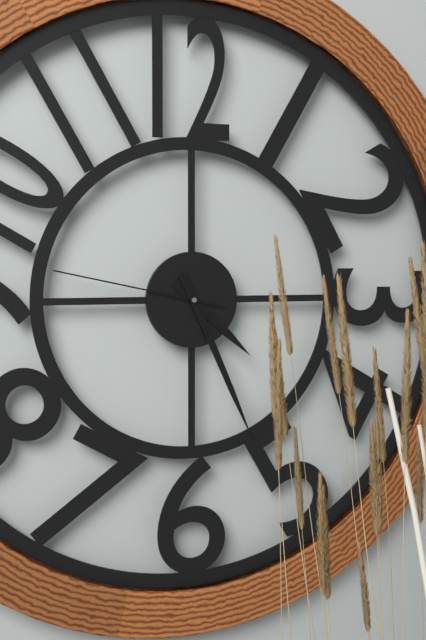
4:26:47
